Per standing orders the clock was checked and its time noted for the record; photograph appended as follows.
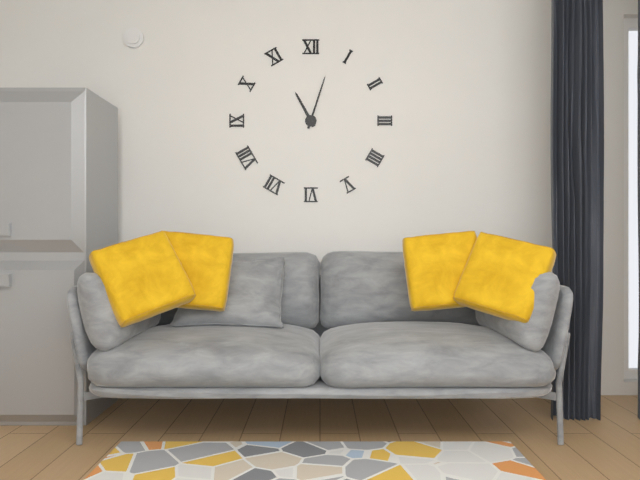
11:03
